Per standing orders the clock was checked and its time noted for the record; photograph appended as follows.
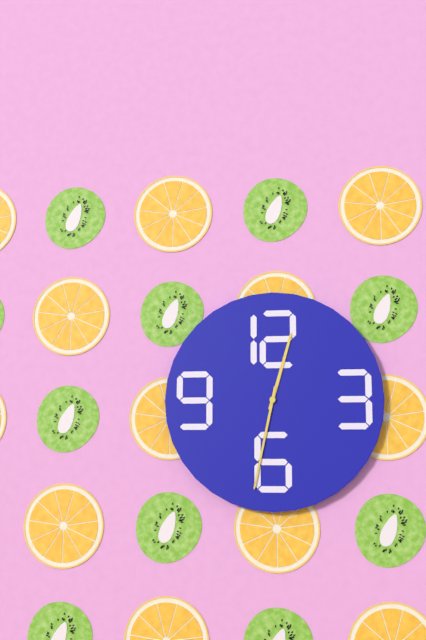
12:32
